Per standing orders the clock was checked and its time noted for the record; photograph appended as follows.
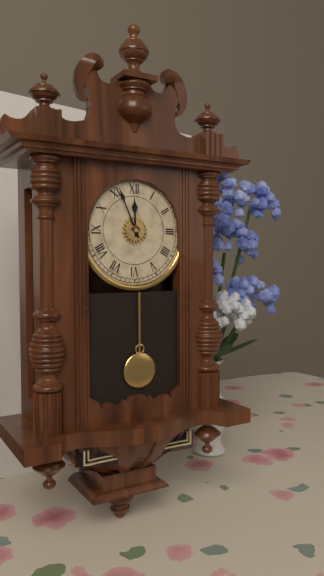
11:56
